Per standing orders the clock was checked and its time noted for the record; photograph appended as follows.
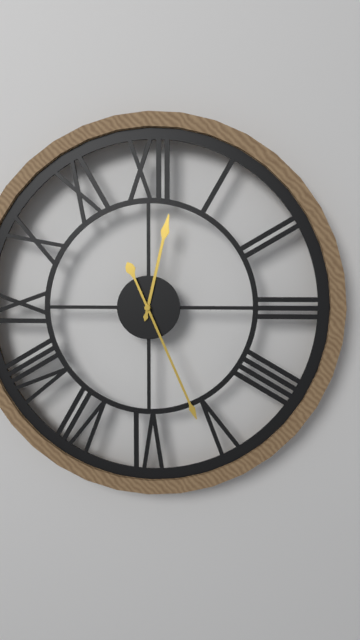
12:26
